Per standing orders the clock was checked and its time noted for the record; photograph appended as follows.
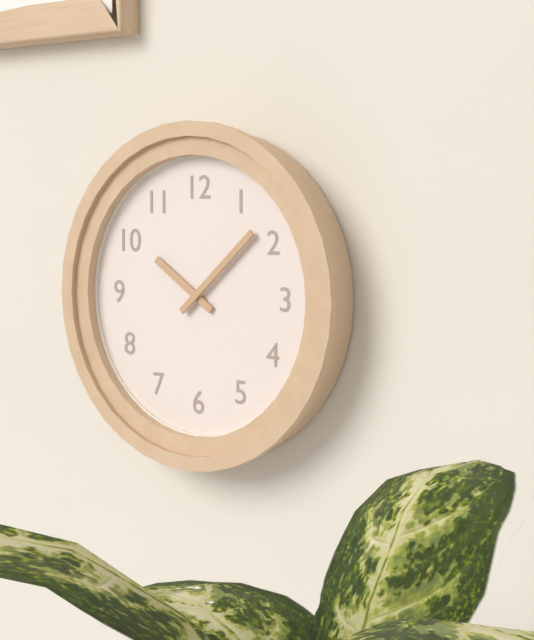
10:08
